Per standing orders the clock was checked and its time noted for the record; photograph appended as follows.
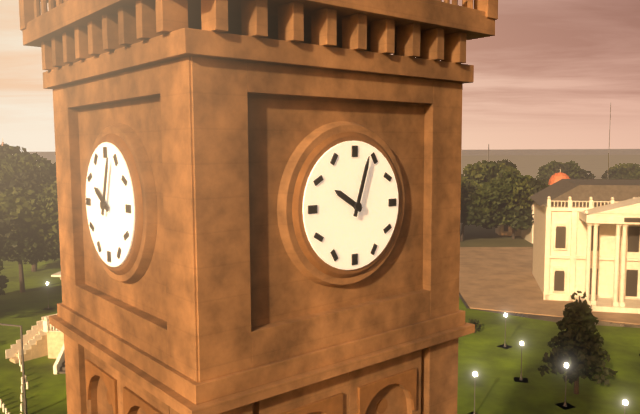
10:03
